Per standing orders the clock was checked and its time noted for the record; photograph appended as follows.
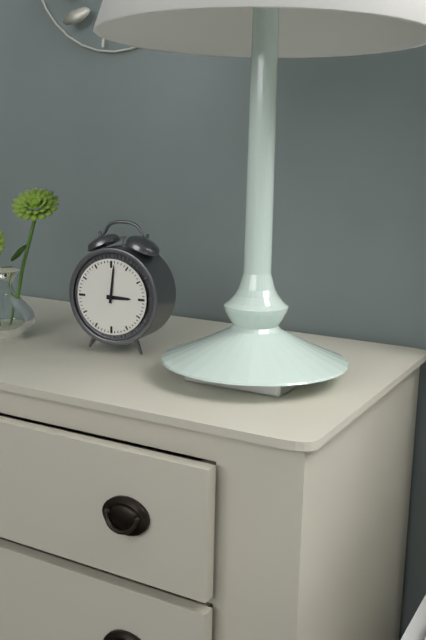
3:01
